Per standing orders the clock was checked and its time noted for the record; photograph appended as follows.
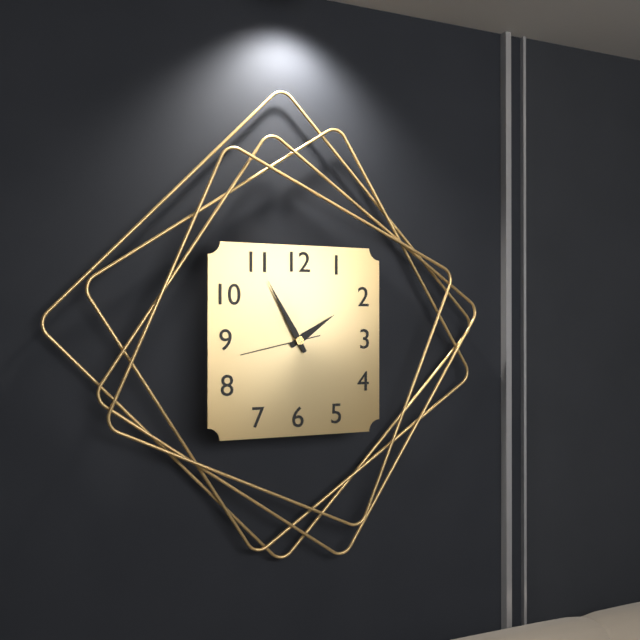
1:55:43
